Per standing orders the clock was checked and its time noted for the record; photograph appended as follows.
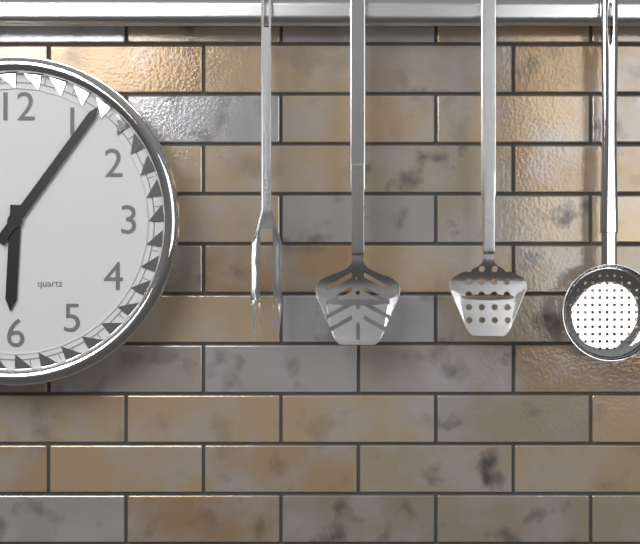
6:06
